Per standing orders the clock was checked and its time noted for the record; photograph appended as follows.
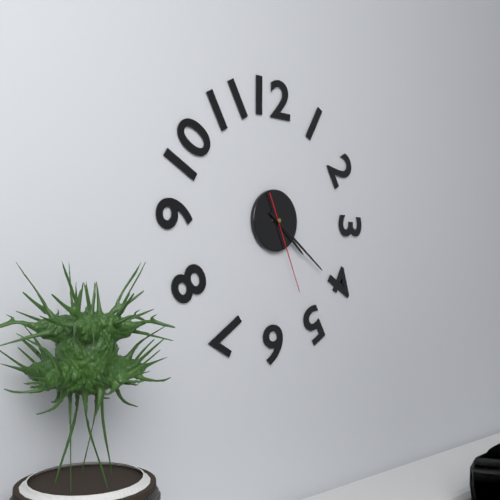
4:21:26
